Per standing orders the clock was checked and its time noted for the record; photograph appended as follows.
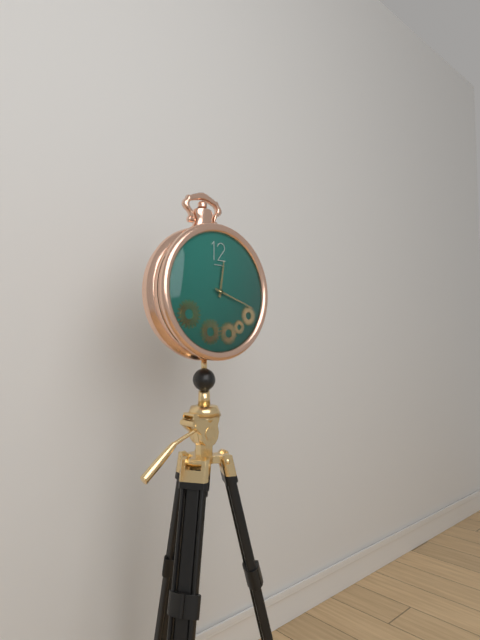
12:18
